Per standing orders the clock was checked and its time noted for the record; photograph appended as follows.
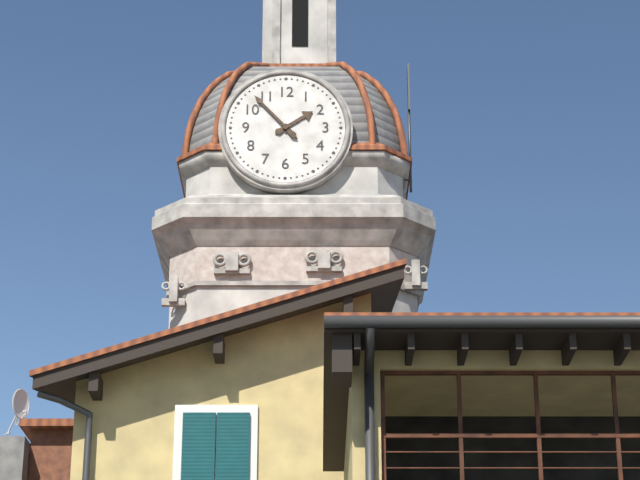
1:53
